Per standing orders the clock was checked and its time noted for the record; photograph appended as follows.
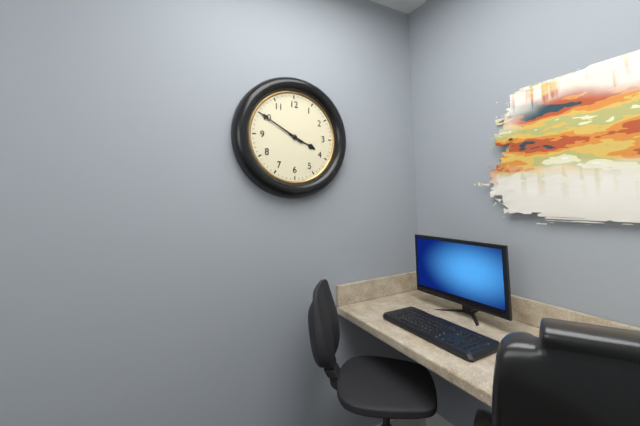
3:50
